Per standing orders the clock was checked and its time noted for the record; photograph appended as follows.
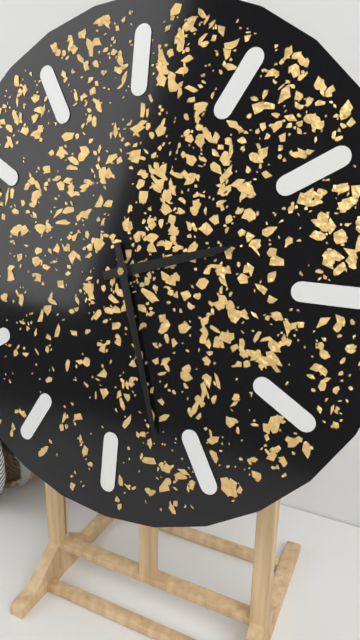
2:27
